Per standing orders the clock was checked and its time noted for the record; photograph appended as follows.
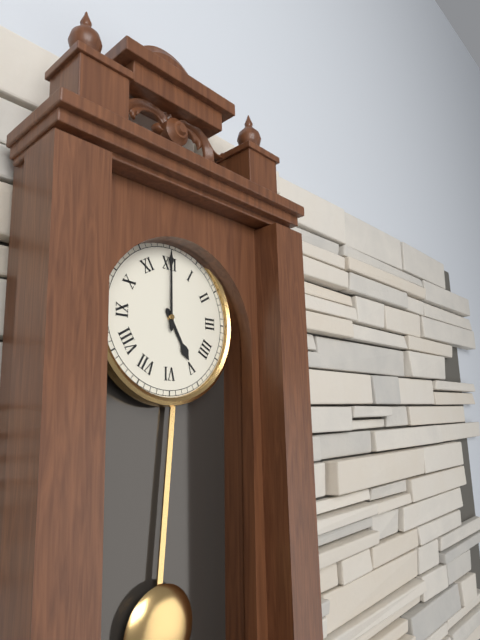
5:00
